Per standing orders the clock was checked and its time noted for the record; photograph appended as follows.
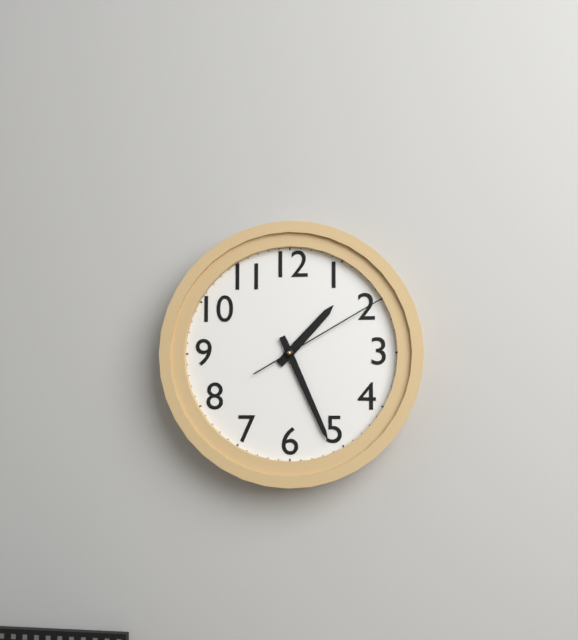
1:26:10
